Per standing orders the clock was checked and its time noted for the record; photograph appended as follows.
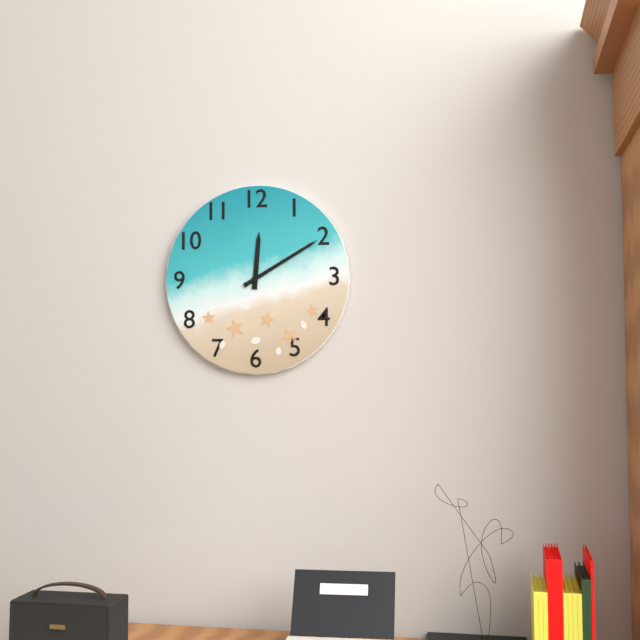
12:10
